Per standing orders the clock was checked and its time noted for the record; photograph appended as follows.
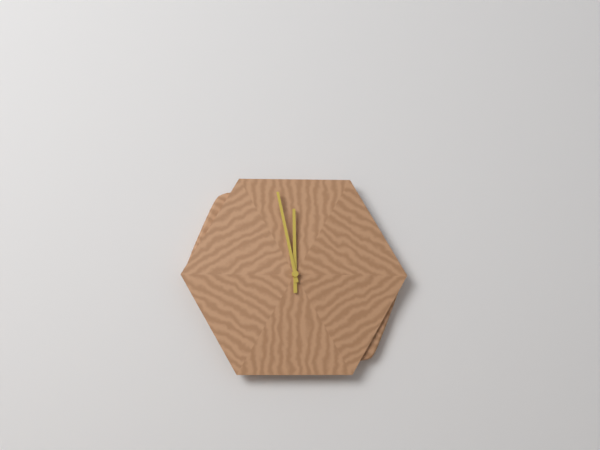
11:58
